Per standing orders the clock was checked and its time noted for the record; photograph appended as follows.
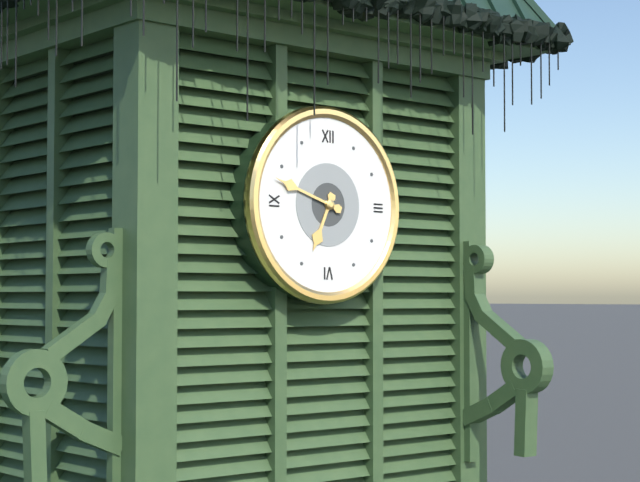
6:48
